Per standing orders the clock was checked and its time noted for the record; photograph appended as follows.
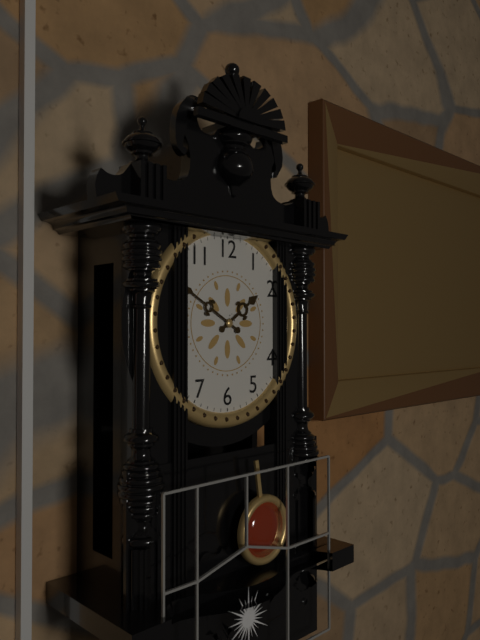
1:50
